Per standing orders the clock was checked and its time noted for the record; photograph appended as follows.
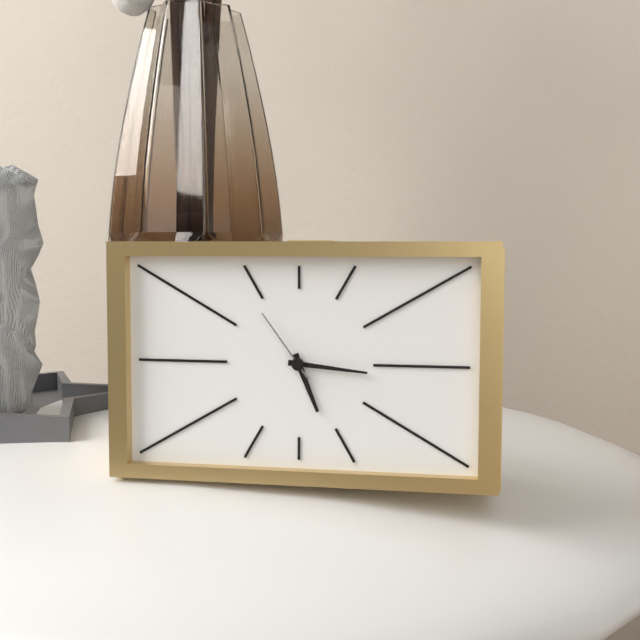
5:16:54
